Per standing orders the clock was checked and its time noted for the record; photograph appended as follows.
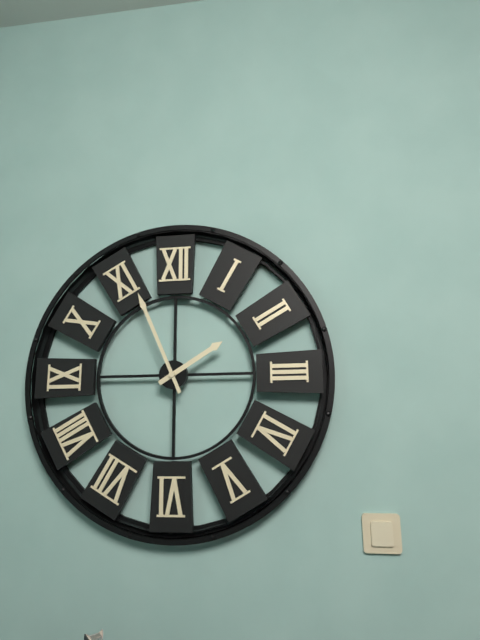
1:56
